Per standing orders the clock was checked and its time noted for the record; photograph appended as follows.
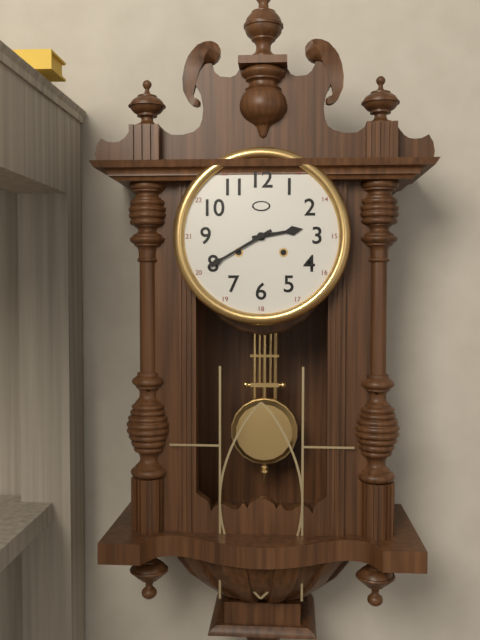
2:40
